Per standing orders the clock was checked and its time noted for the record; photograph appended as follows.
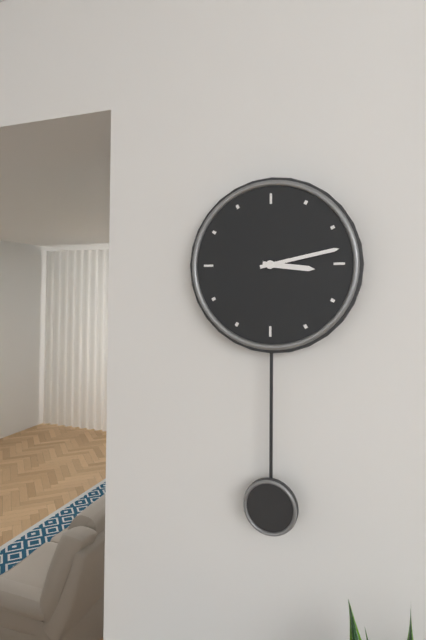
3:13
